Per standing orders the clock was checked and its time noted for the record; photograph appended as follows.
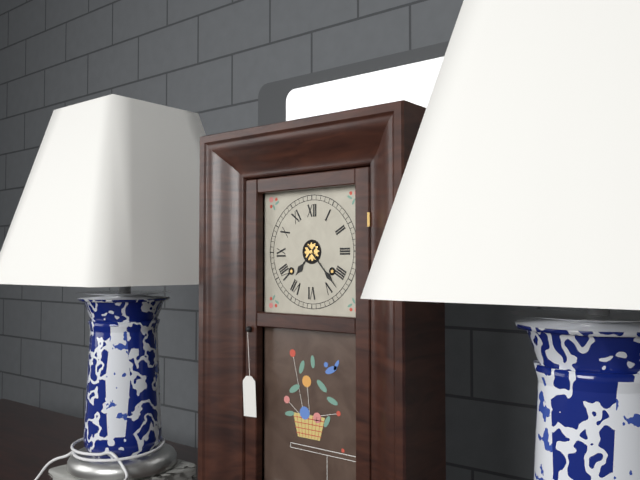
7:23
